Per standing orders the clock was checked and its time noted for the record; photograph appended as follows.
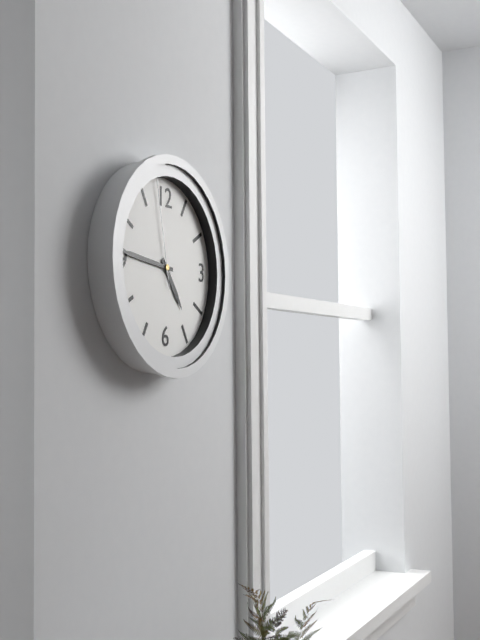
4:46:58
